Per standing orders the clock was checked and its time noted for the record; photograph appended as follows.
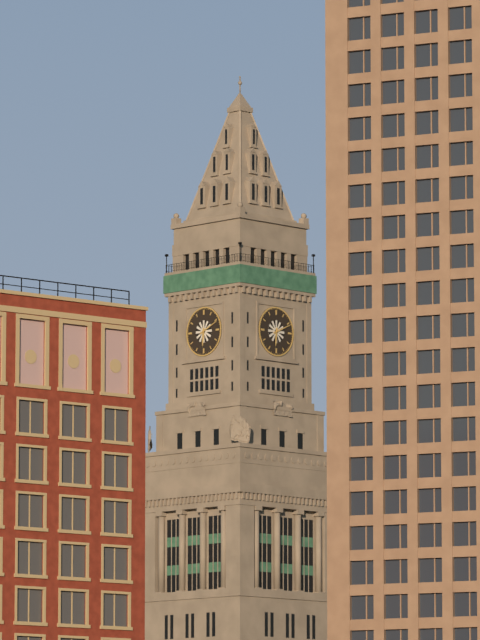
6:11
